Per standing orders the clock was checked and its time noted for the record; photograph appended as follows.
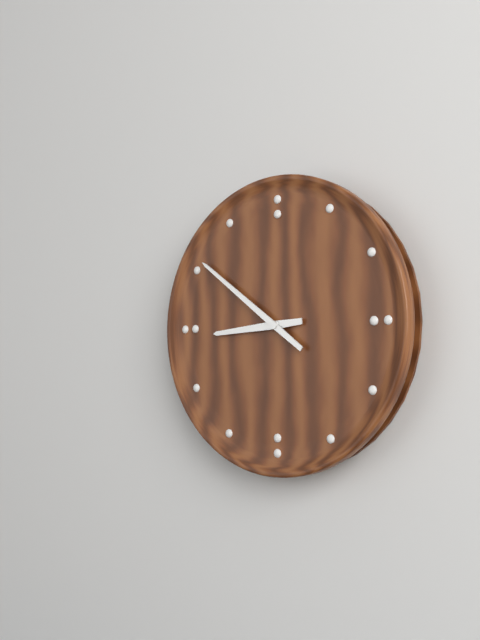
8:51
